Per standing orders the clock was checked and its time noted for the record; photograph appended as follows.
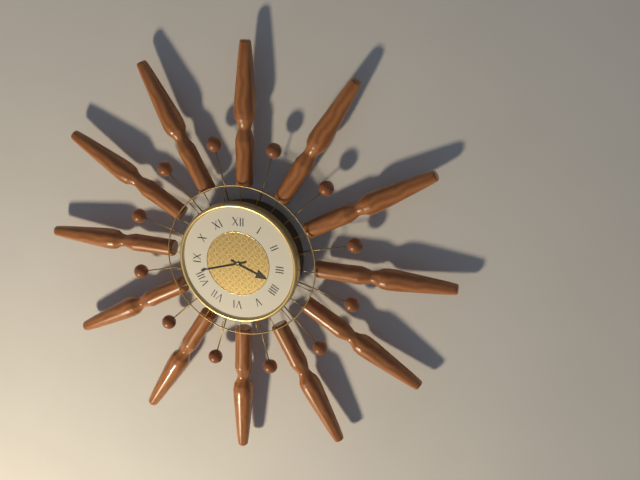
3:42
